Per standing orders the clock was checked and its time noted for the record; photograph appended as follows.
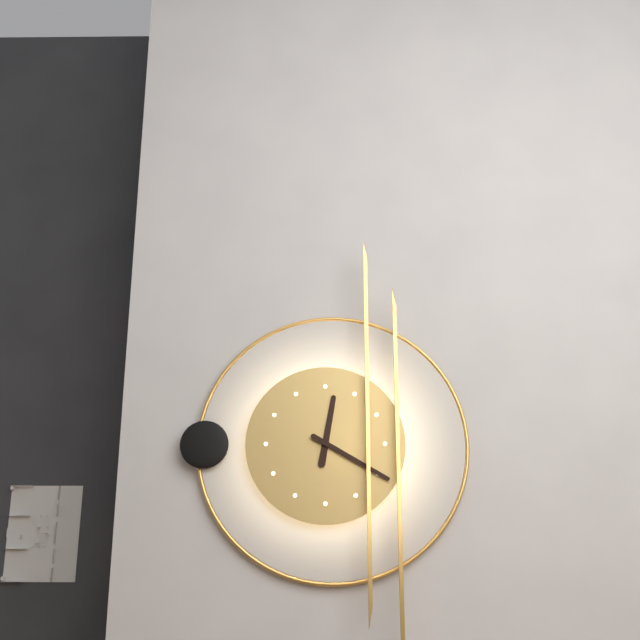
12:20
